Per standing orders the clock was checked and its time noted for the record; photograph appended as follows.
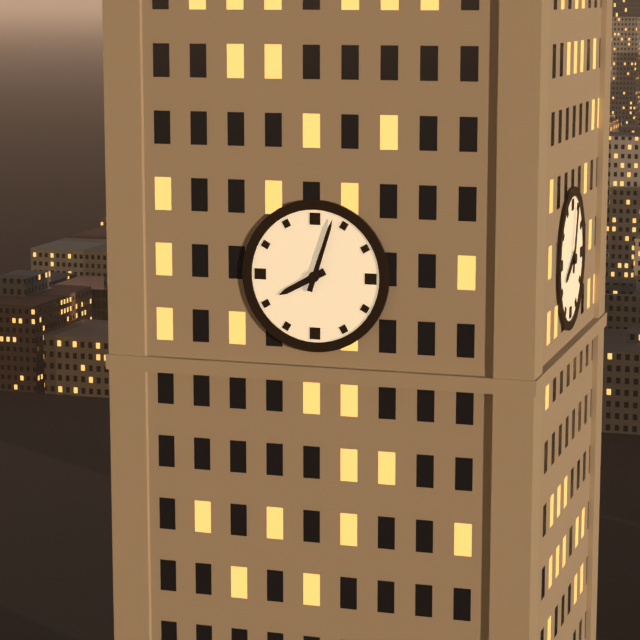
8:03
